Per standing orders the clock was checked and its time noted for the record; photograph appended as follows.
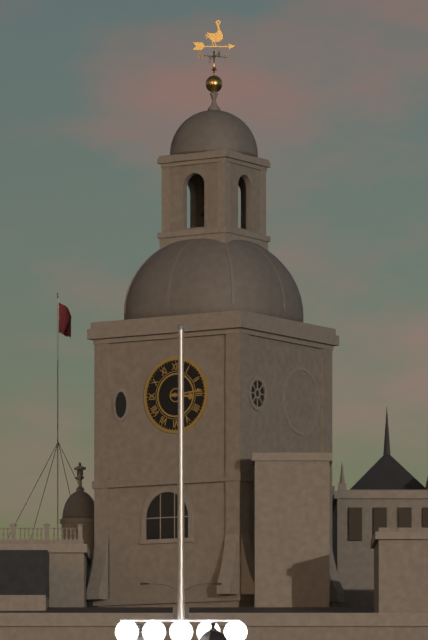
3:14
